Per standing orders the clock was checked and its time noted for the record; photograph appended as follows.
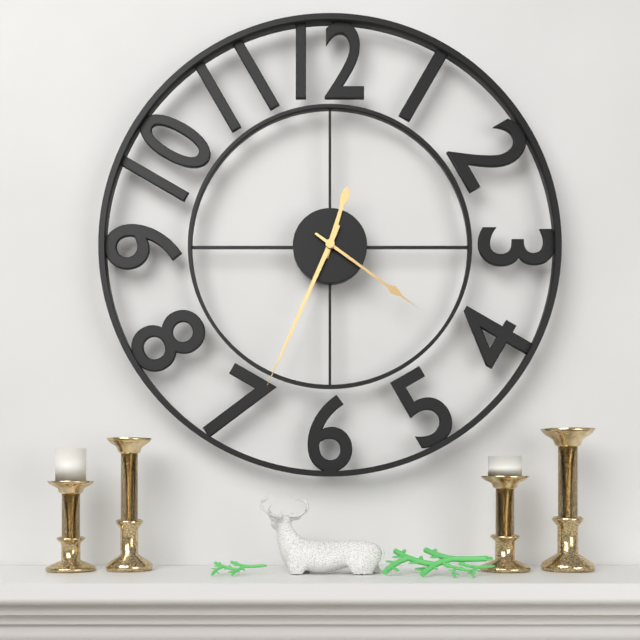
12:34:21
